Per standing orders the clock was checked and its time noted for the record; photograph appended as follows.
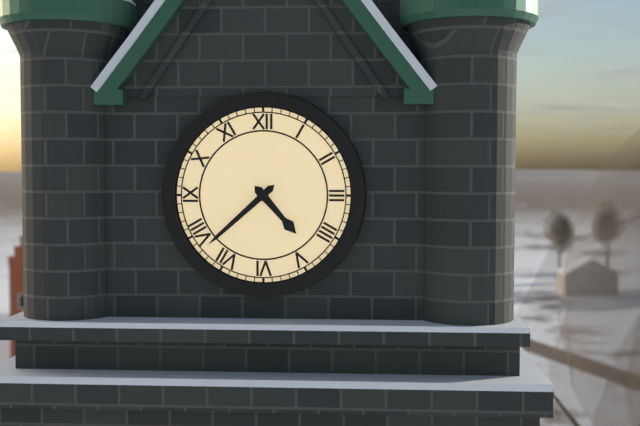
4:38
